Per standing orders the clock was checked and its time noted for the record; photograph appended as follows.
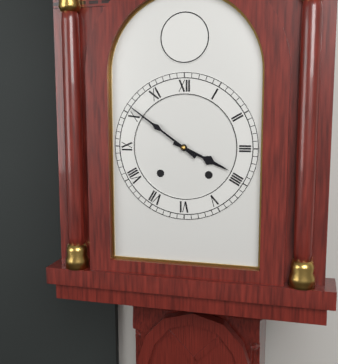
3:51
